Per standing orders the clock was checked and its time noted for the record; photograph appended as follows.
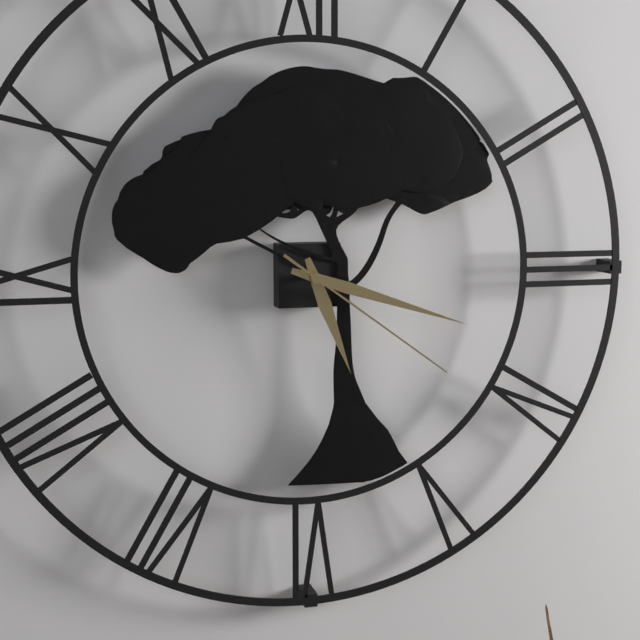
5:18:21
